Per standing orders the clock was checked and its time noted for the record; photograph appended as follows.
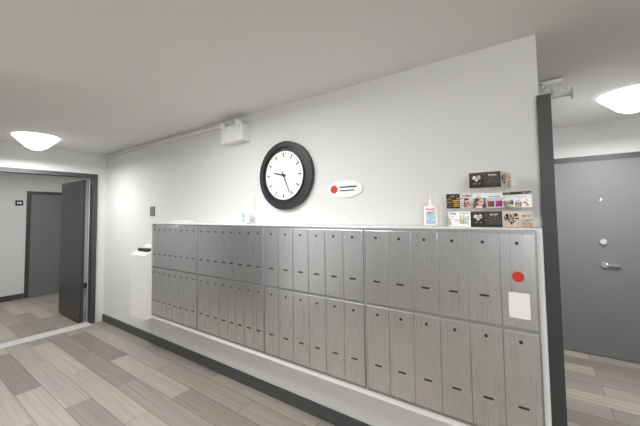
9:26
